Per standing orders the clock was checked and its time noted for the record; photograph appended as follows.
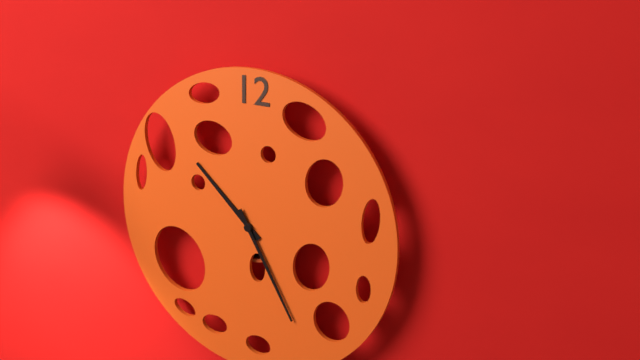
10:25
